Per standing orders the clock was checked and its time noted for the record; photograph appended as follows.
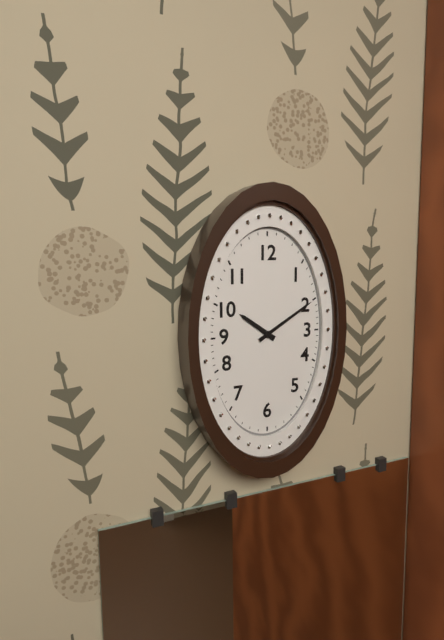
10:10
